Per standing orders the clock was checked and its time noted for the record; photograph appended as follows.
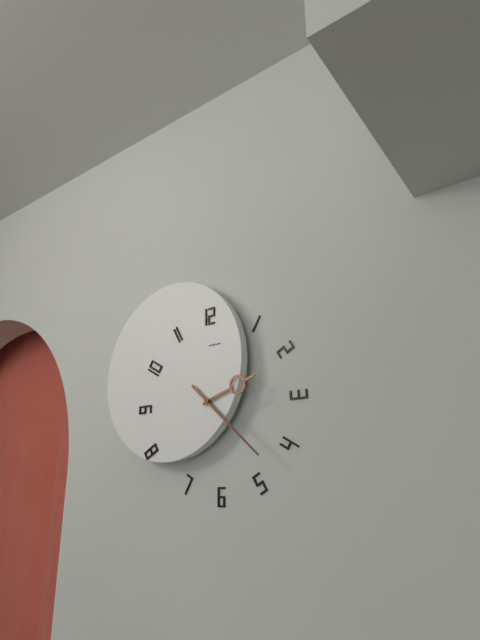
2:22
